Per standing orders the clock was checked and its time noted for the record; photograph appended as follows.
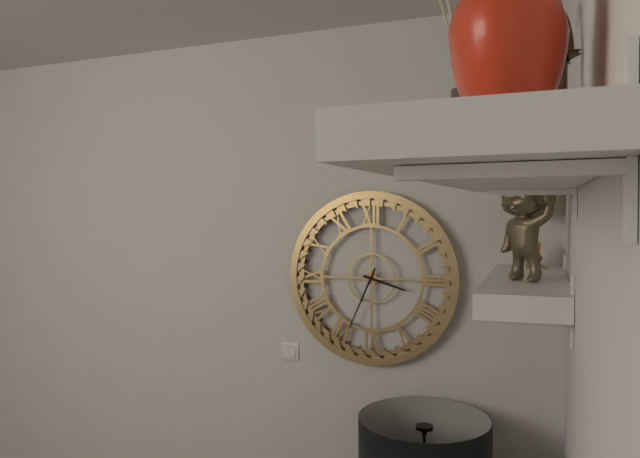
3:34
